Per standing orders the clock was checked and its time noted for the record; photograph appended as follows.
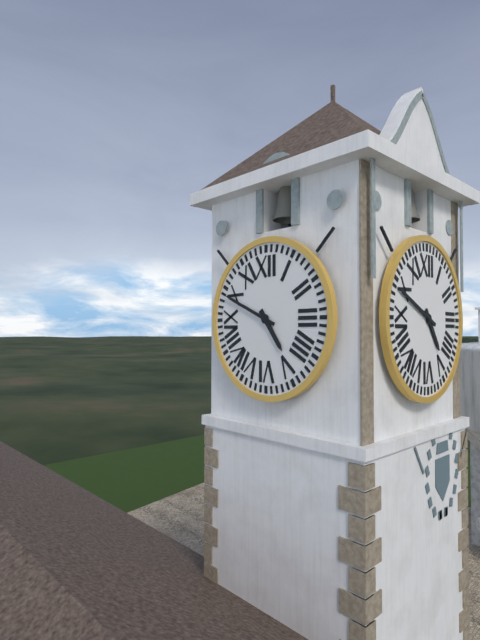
4:49
